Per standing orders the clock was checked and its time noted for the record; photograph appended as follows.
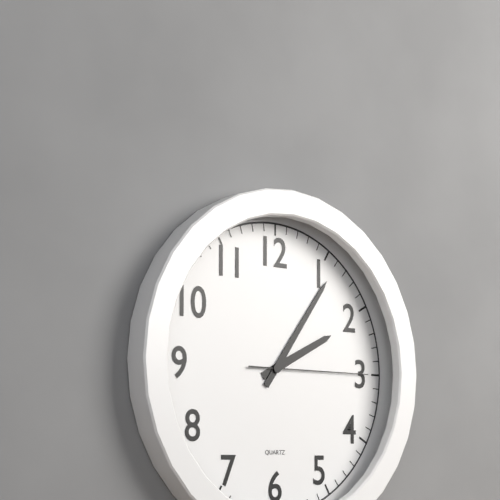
2:06:15
